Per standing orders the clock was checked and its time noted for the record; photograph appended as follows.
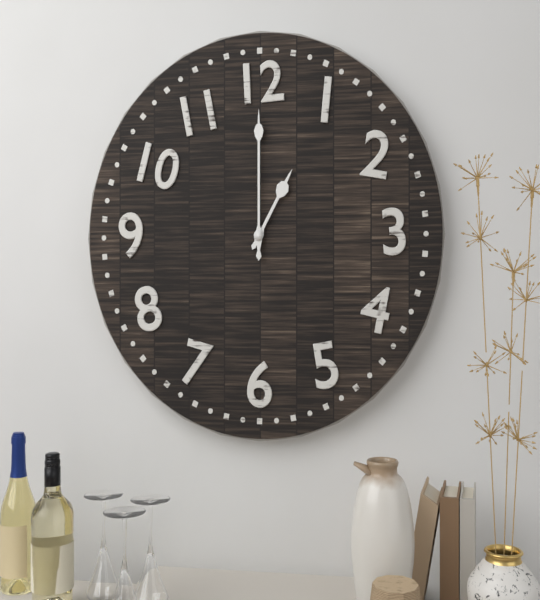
1:00
